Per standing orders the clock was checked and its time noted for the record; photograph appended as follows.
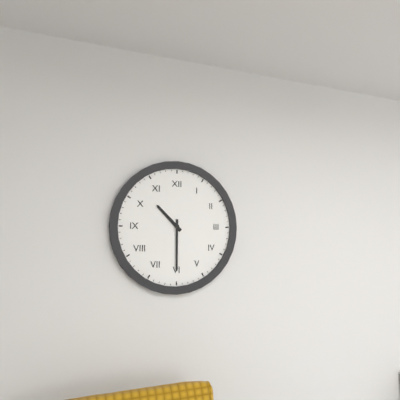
10:30
